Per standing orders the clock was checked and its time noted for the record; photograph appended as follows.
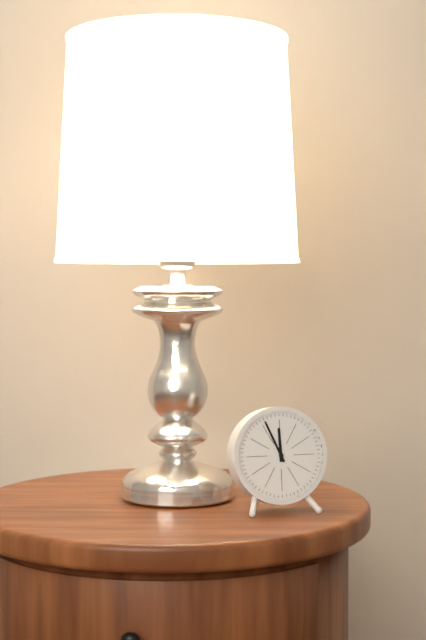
11:56
